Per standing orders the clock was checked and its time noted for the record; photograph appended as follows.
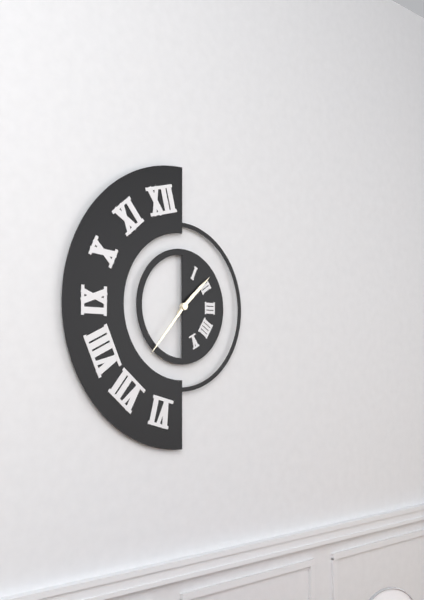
1:37
